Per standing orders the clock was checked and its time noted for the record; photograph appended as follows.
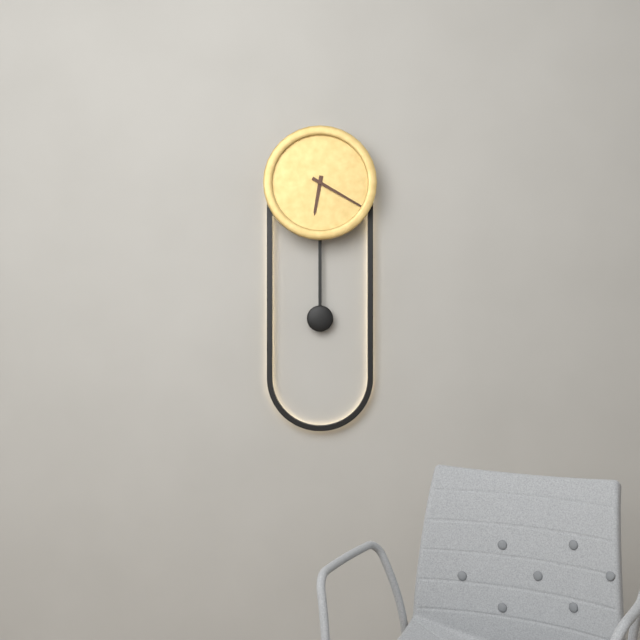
6:20
